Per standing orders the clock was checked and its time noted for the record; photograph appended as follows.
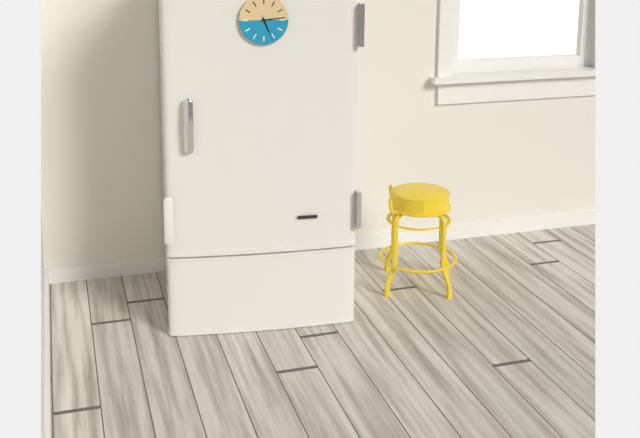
5:14
